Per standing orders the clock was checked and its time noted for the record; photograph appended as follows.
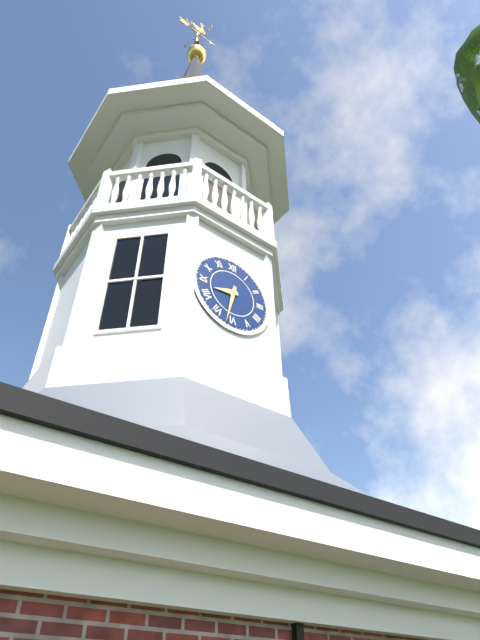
8:32
